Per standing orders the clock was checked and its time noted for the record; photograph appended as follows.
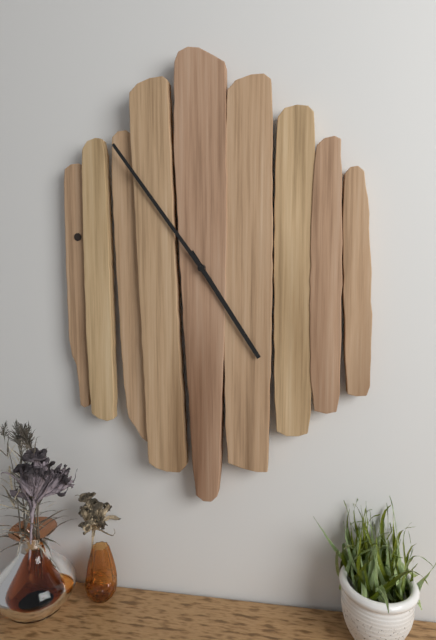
4:54
